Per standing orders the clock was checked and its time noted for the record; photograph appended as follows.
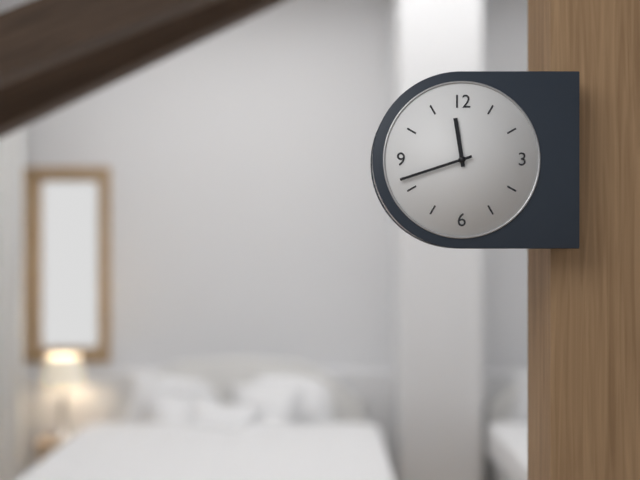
11:42
